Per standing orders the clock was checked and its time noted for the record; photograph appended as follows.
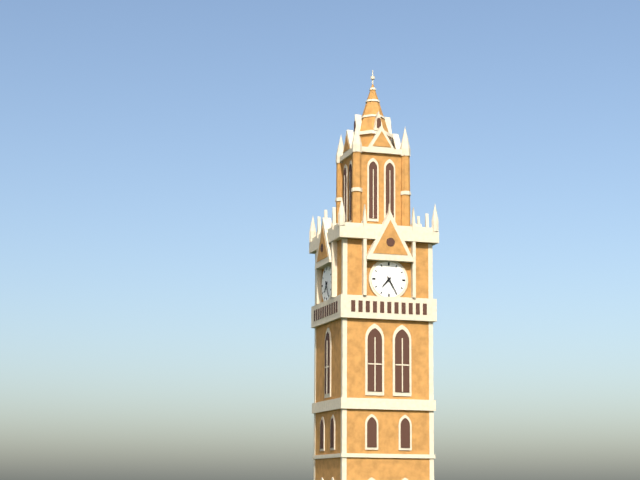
7:25
